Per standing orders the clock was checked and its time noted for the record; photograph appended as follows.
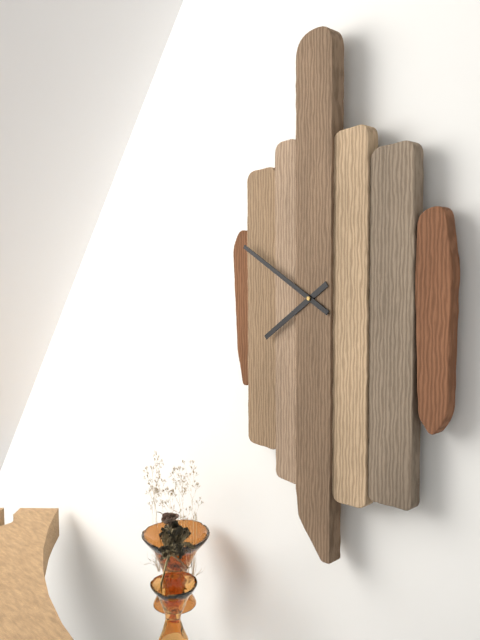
7:50
